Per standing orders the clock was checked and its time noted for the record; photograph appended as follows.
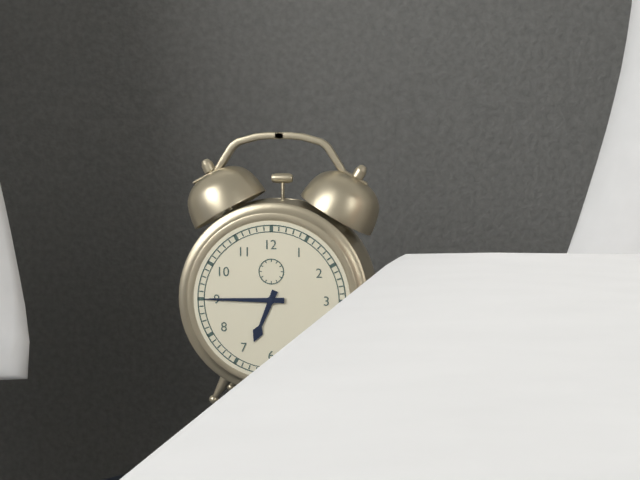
6:45
